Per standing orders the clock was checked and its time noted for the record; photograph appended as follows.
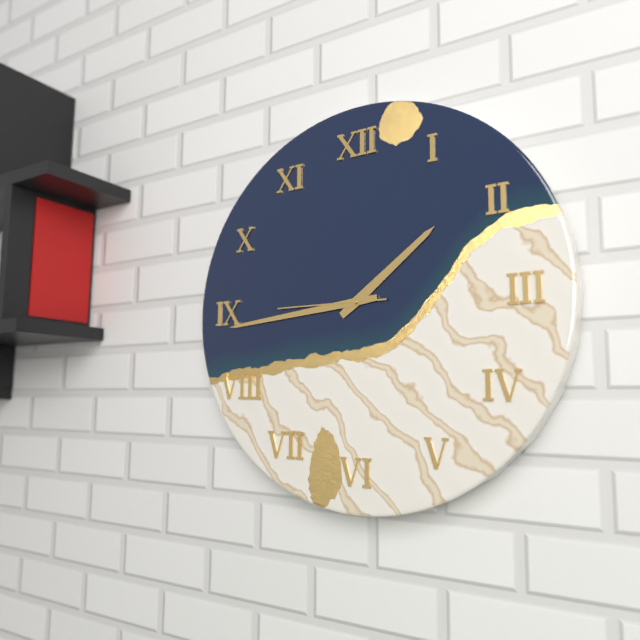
1:44:45
